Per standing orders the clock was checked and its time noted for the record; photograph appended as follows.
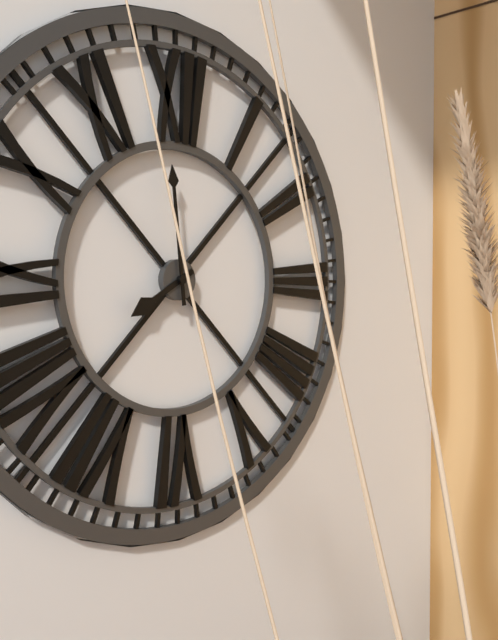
7:59
